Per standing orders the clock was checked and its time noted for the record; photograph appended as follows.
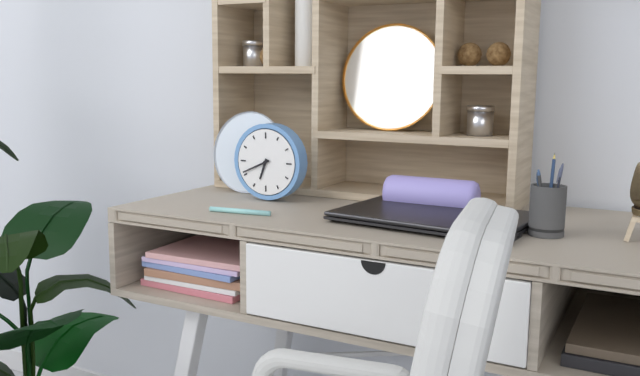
6:41
